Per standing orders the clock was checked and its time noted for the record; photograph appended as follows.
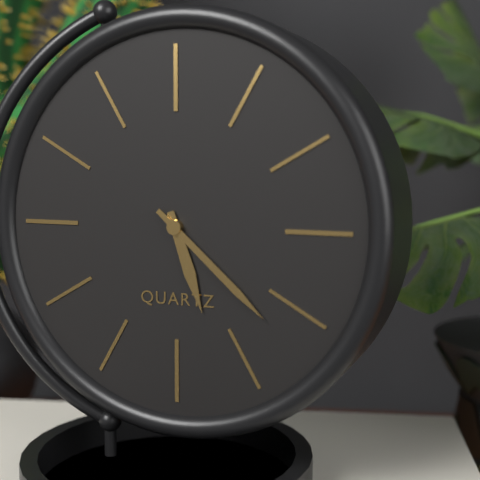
5:22
